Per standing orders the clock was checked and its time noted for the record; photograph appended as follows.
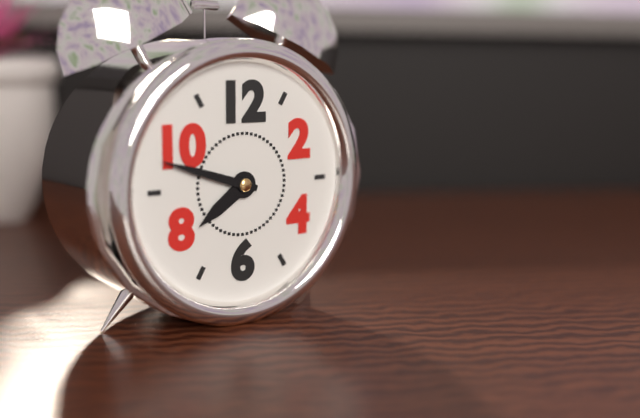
7:48
